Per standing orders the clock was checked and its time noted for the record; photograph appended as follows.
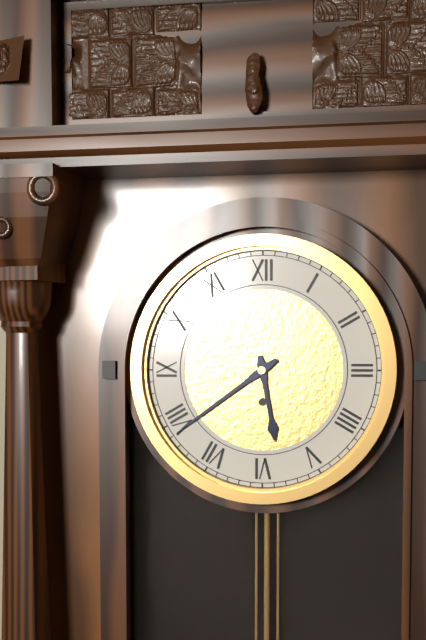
5:39
